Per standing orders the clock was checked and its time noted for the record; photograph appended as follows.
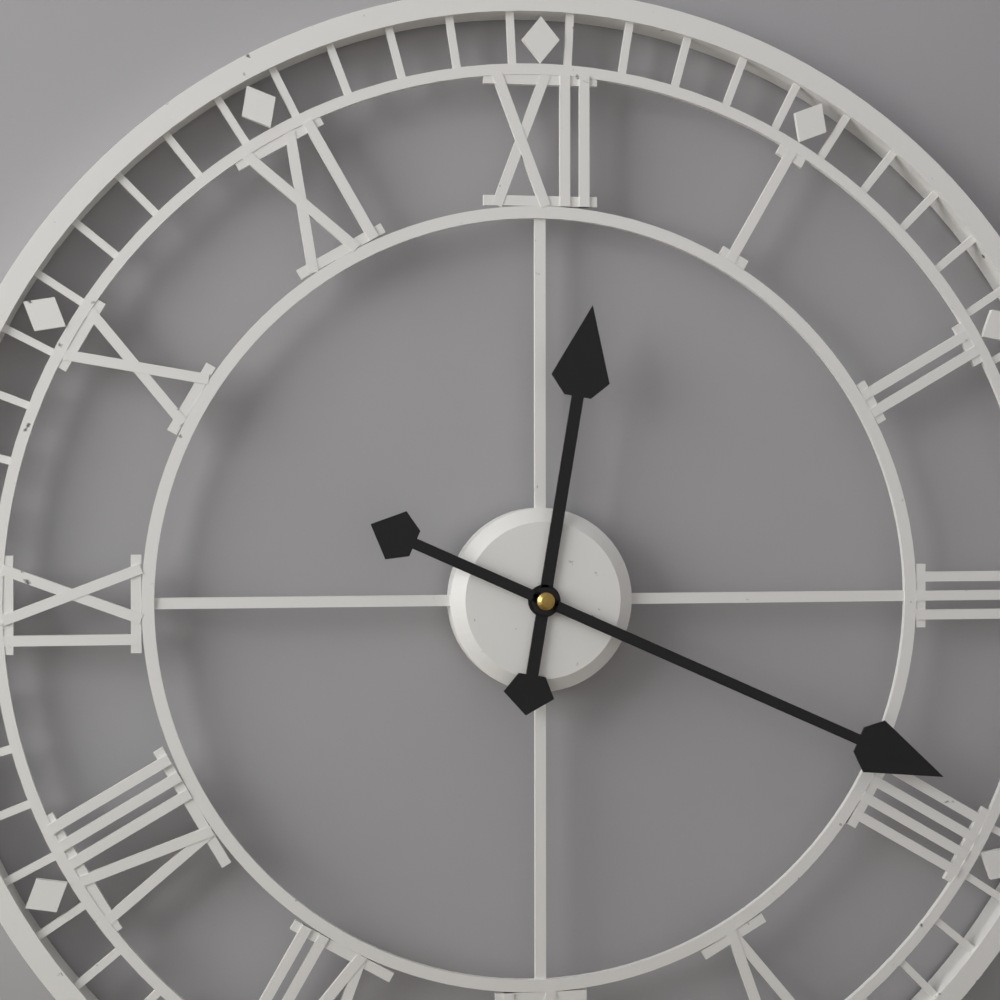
12:19
